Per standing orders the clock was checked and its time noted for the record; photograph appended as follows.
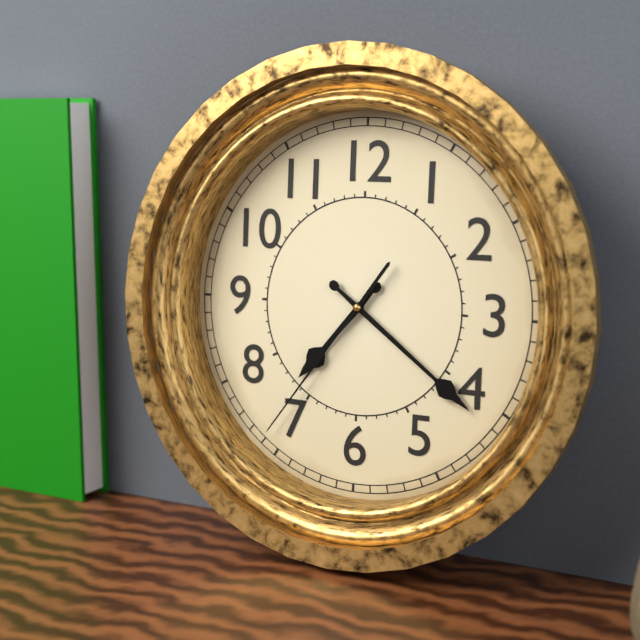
7:21:36
